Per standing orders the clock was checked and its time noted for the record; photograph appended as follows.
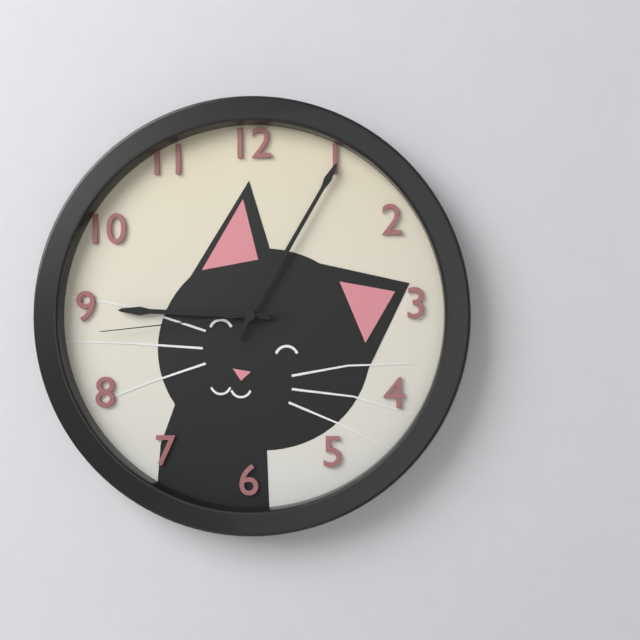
9:05:44
